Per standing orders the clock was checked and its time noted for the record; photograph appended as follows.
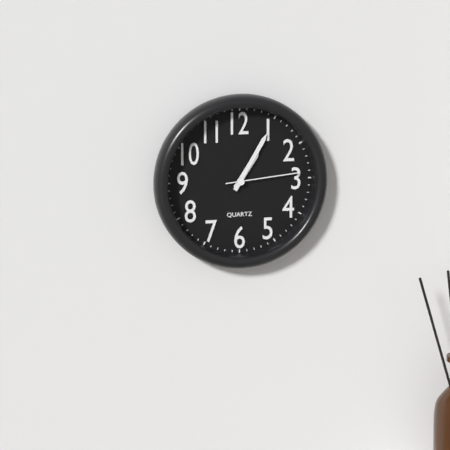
1:05:14
